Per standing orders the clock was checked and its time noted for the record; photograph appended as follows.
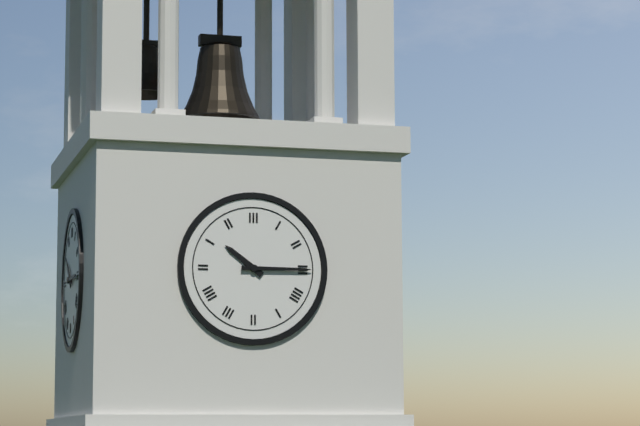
10:15
